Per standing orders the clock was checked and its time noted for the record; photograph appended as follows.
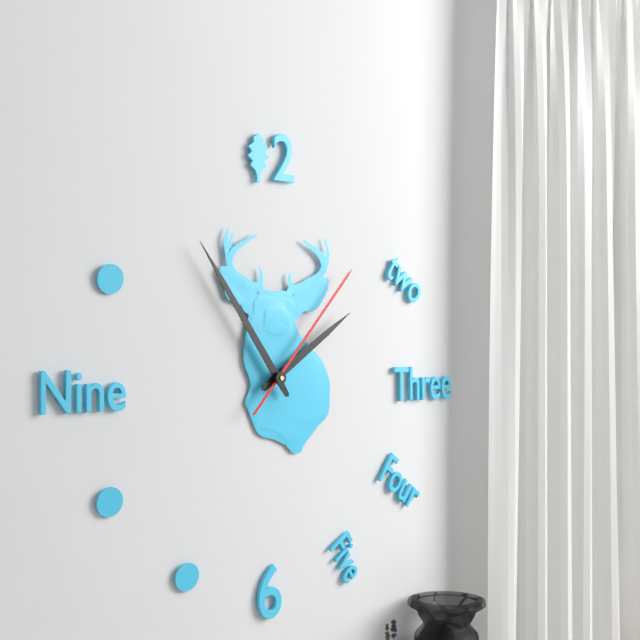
1:54:07
